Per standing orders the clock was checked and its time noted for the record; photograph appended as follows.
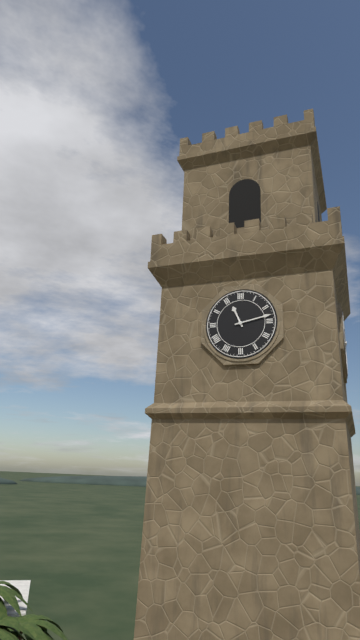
11:13
